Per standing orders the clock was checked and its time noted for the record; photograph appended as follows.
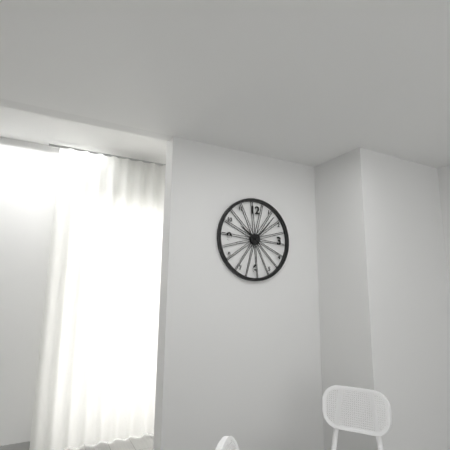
10:07
